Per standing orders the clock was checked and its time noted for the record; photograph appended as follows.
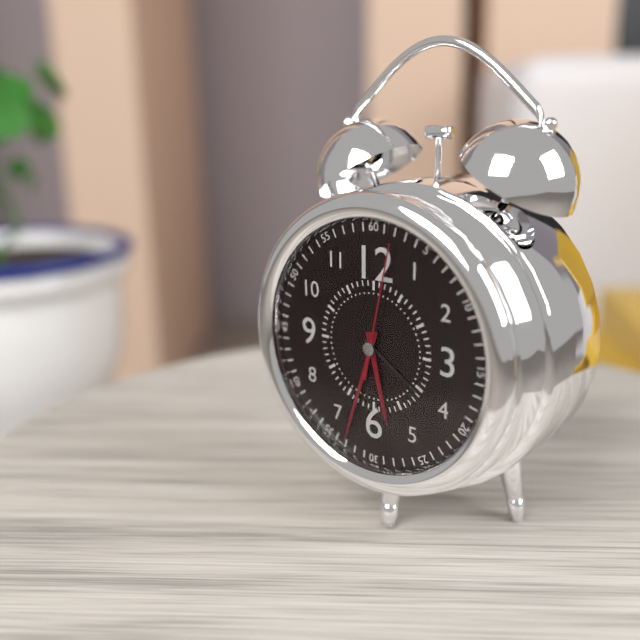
5:33:02
